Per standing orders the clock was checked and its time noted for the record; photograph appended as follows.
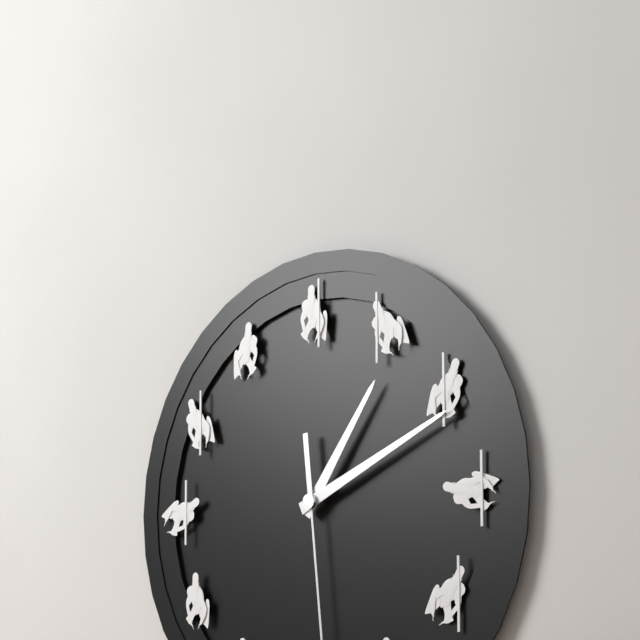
1:11
